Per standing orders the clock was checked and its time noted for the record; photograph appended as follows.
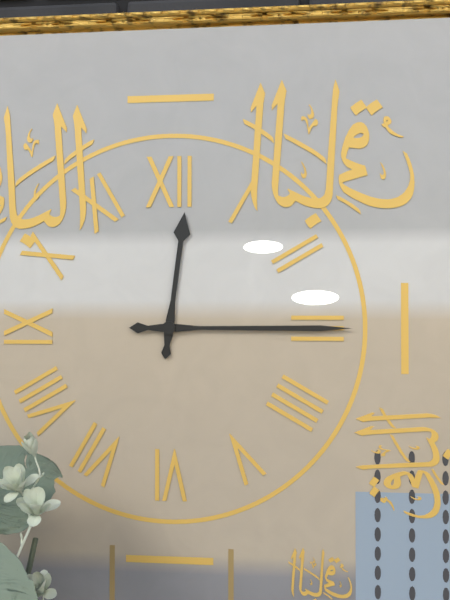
12:15
